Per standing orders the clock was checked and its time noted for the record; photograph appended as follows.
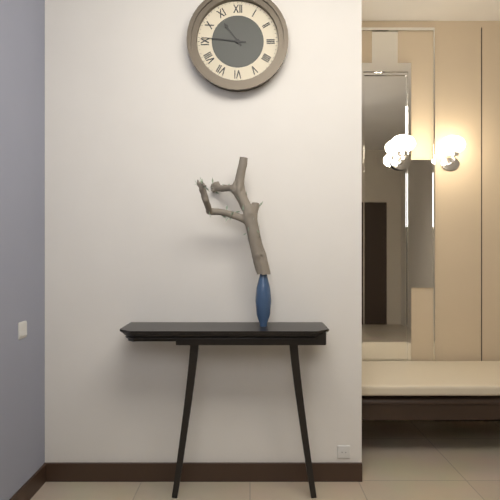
10:46
